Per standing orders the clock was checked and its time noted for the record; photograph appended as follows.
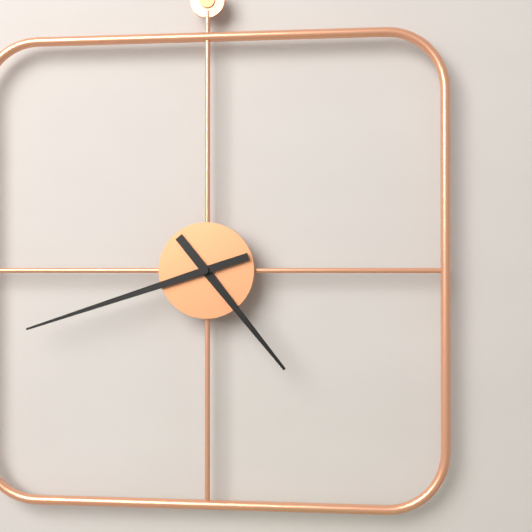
4:42
